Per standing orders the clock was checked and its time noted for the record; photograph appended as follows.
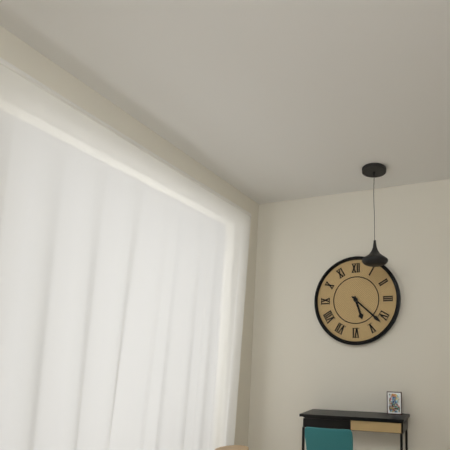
5:22
